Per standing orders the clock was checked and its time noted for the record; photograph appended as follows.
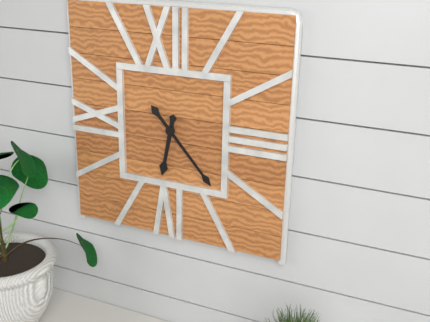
6:23
